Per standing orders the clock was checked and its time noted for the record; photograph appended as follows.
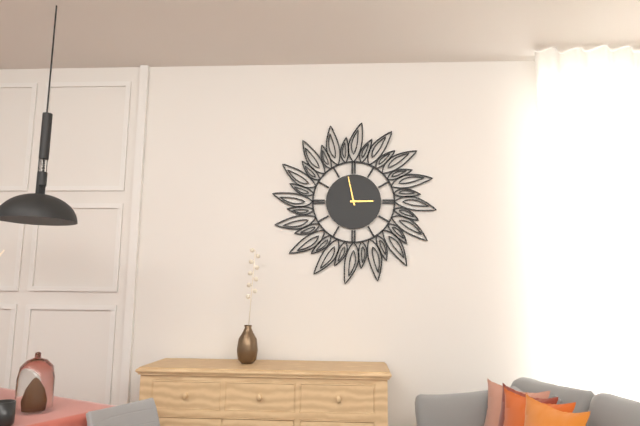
2:58
